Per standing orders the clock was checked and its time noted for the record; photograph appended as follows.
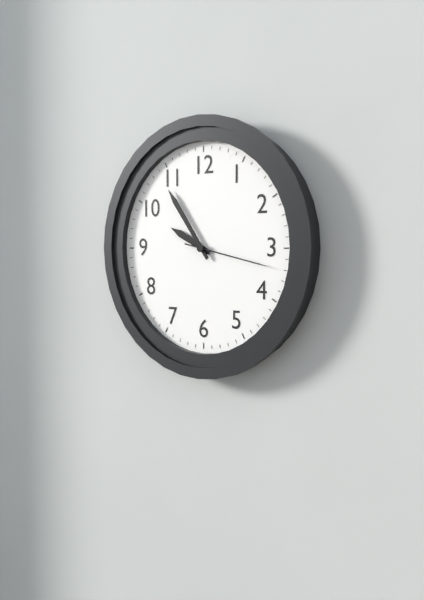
9:54:17
